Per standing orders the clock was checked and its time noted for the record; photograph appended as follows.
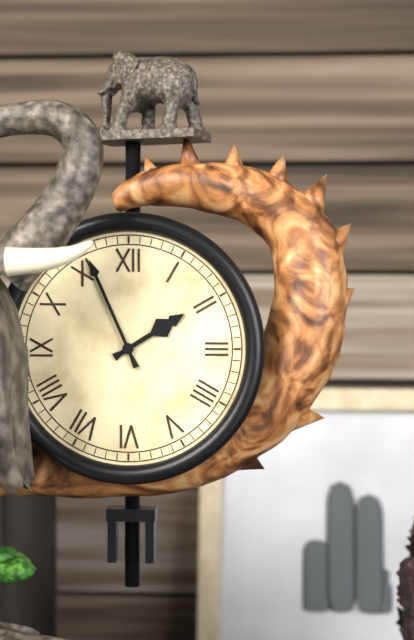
1:56
